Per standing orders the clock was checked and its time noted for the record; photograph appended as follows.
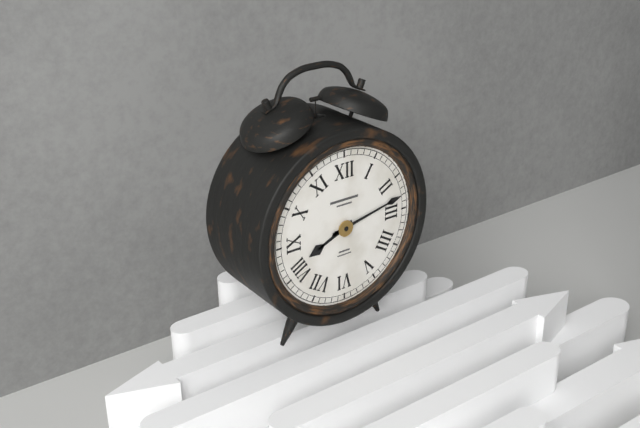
8:13
